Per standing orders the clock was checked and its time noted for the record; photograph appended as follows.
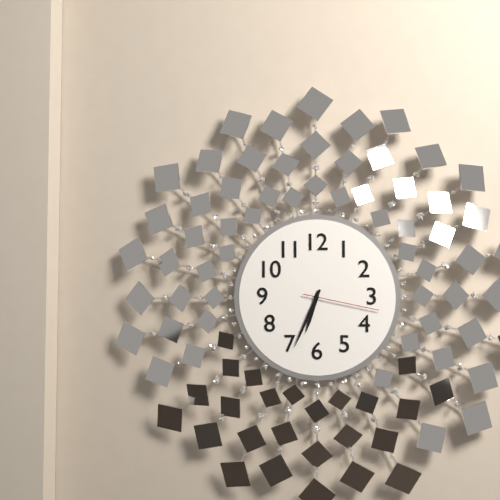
6:34:17
